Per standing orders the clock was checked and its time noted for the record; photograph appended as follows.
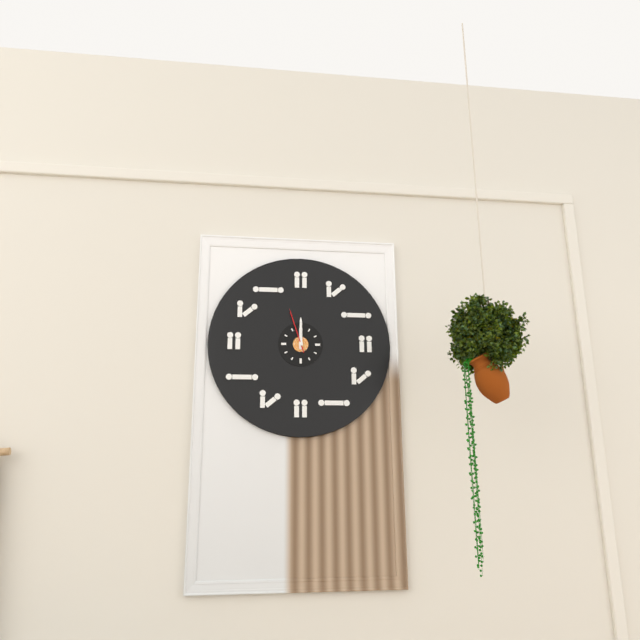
12:00
